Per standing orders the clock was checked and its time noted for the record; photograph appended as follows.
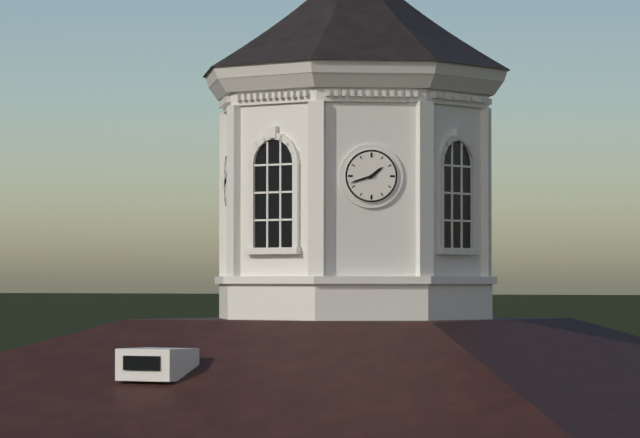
1:42
